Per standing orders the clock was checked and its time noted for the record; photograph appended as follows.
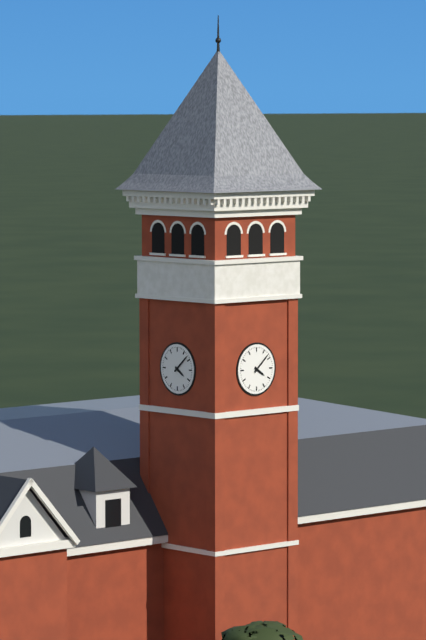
4:08
